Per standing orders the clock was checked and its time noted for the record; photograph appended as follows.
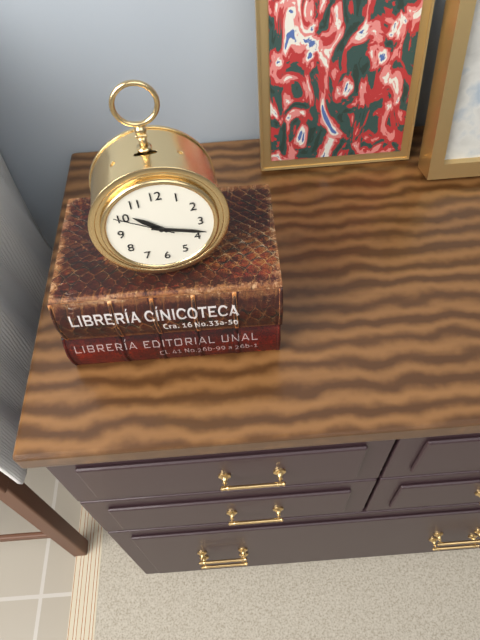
10:18:50
